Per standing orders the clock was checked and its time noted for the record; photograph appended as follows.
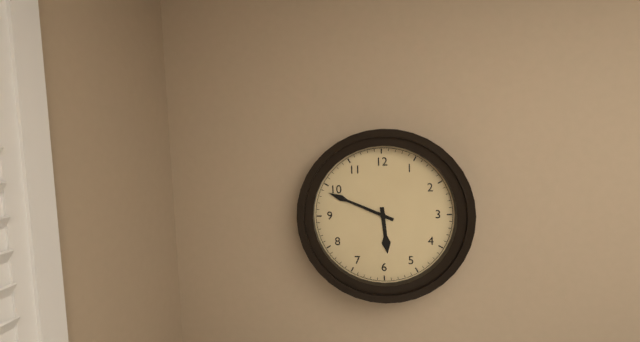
5:49
